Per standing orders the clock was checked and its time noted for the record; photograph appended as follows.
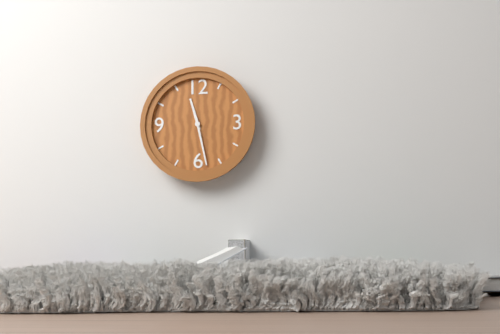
11:28
